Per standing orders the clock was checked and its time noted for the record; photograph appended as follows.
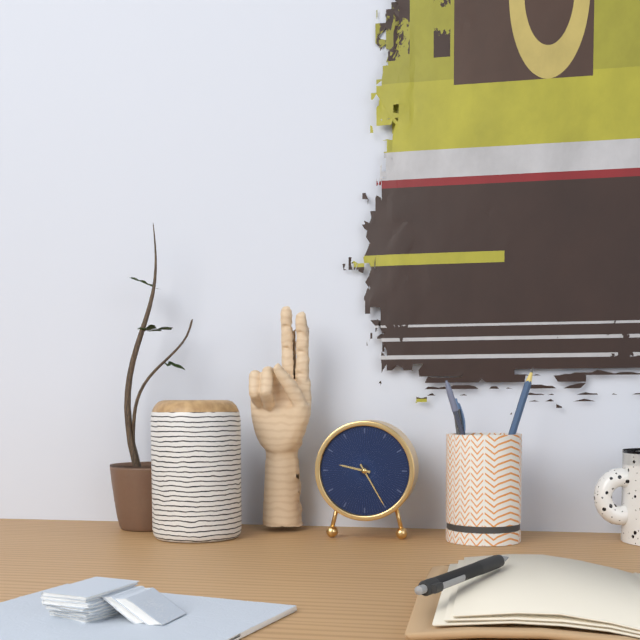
9:25
